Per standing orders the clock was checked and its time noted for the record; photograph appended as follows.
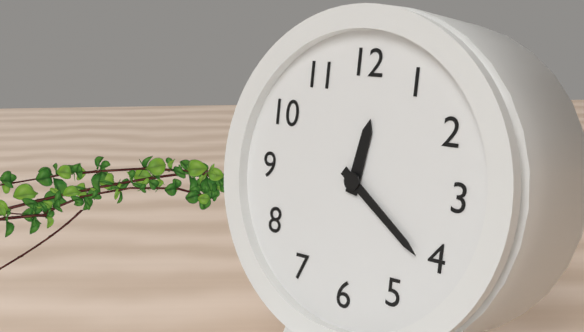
12:21
